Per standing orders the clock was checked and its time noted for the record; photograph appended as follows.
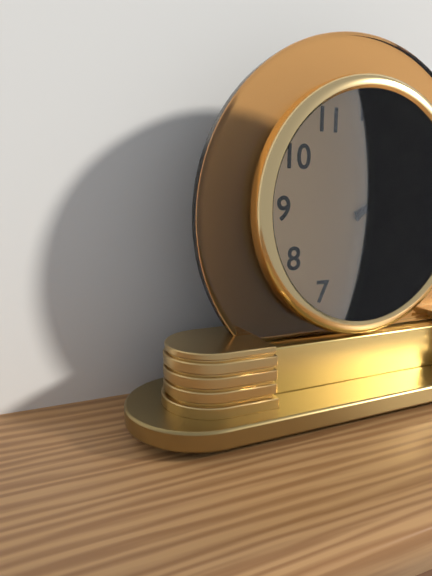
2:08
